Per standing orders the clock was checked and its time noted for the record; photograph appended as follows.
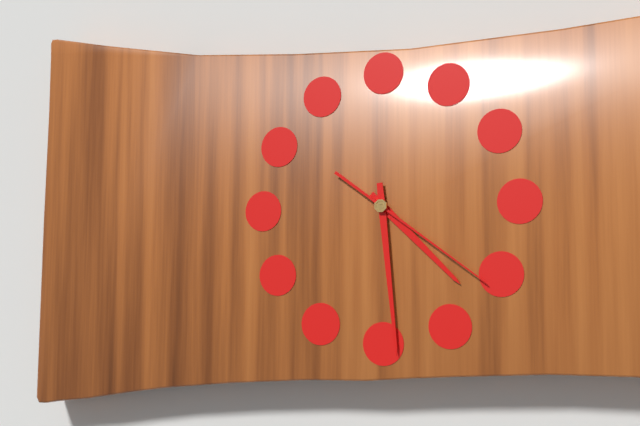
4:29:21
